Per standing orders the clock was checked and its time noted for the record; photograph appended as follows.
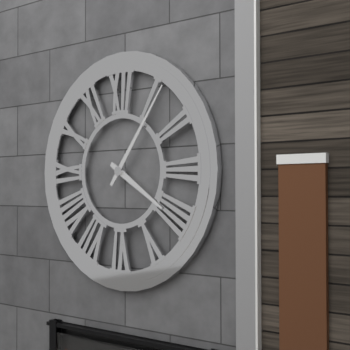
4:06
